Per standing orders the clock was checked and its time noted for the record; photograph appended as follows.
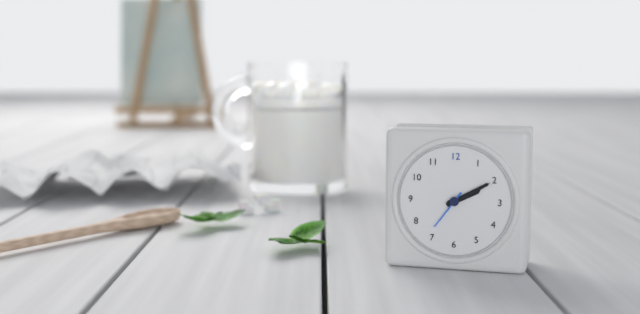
2:10
